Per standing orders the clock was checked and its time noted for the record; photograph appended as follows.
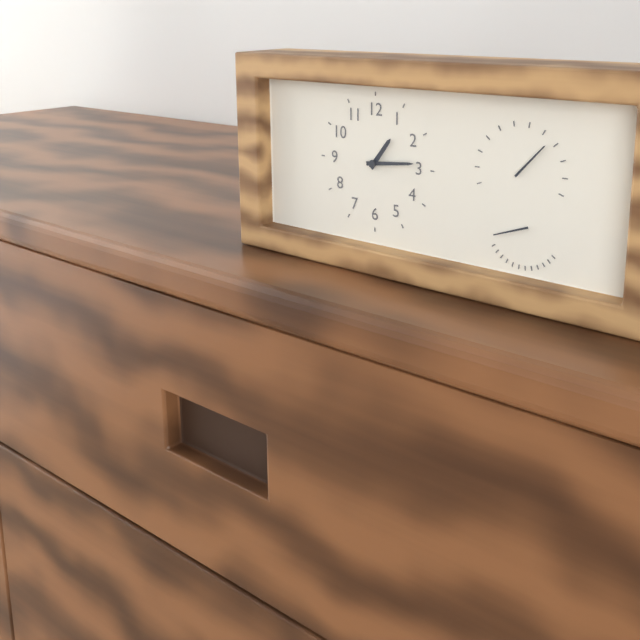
1:14
